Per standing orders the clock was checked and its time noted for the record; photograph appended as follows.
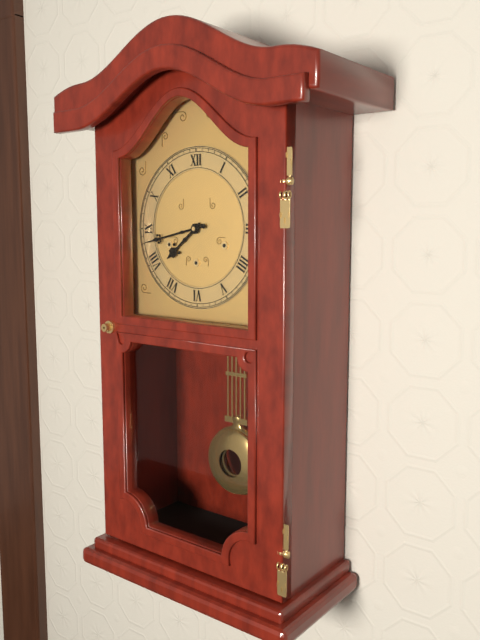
7:43
